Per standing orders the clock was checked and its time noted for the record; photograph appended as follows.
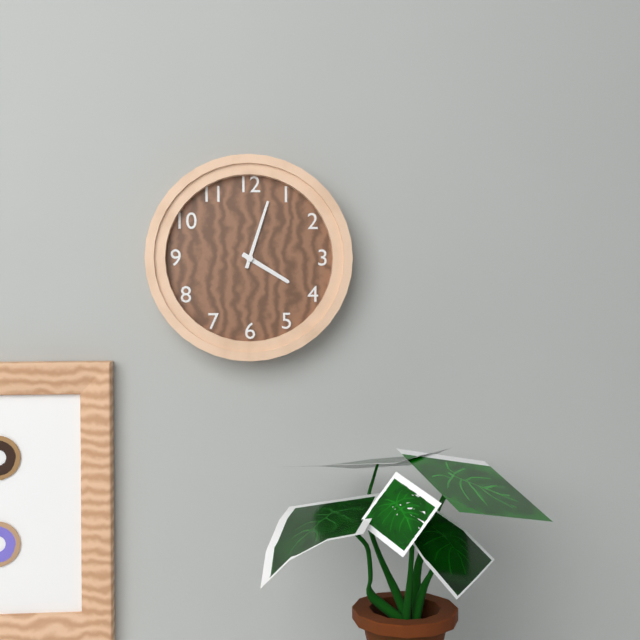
4:03
